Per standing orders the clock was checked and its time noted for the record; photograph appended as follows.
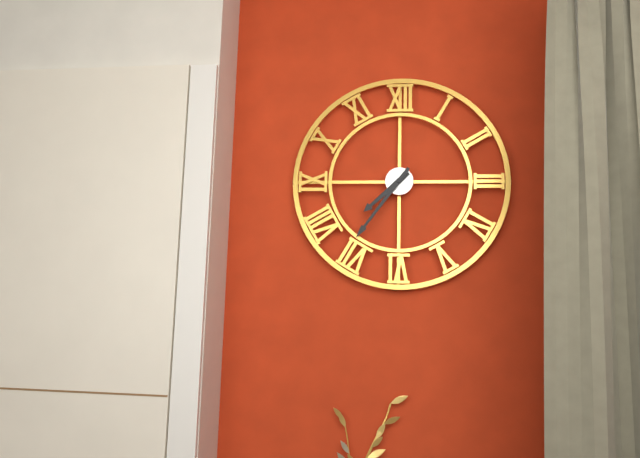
7:36
